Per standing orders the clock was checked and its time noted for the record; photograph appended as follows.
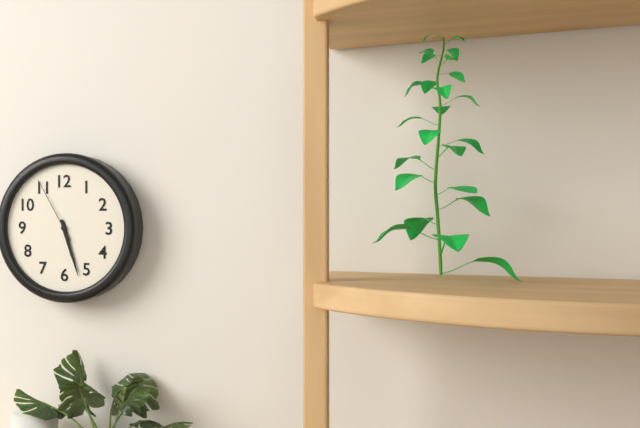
5:27:55
